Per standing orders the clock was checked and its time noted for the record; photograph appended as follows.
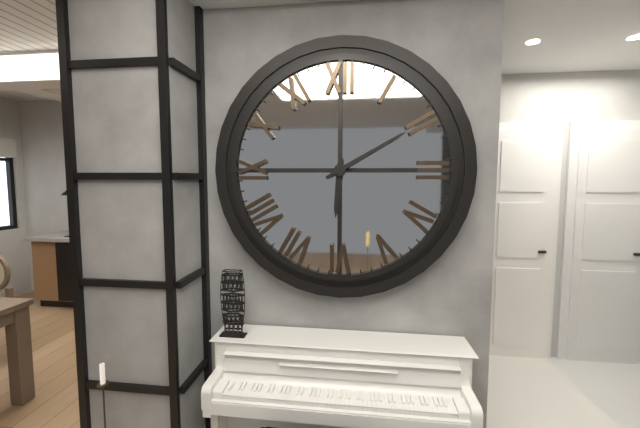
6:10
